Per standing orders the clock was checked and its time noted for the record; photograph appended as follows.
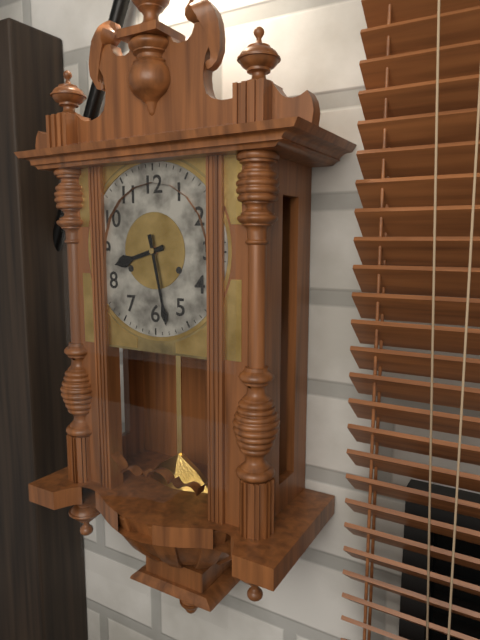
8:28
